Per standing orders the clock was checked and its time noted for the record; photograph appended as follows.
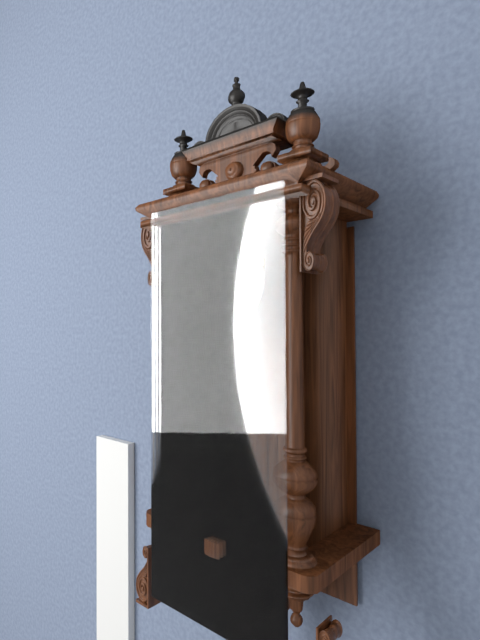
4:22
